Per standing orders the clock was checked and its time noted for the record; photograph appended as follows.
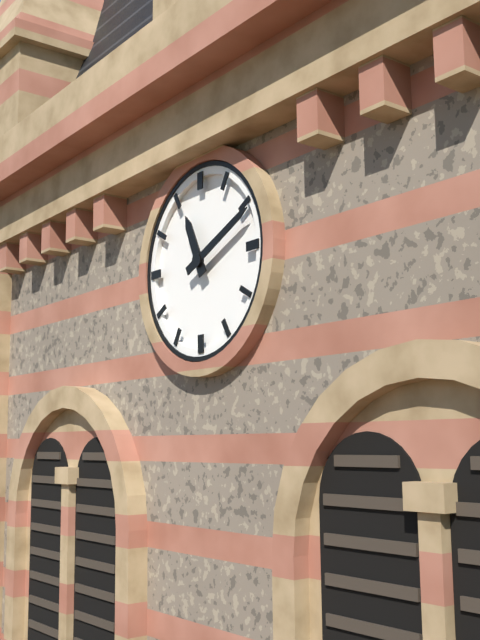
11:11
